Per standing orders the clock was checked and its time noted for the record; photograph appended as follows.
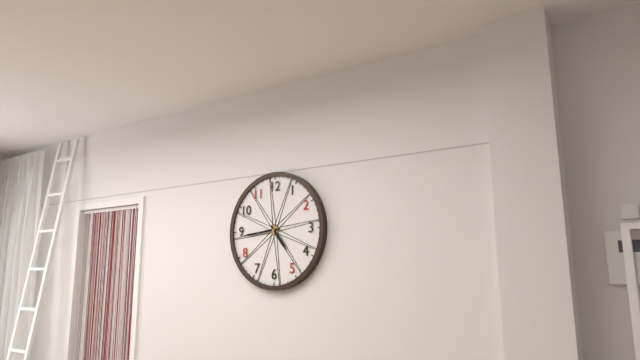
4:44
